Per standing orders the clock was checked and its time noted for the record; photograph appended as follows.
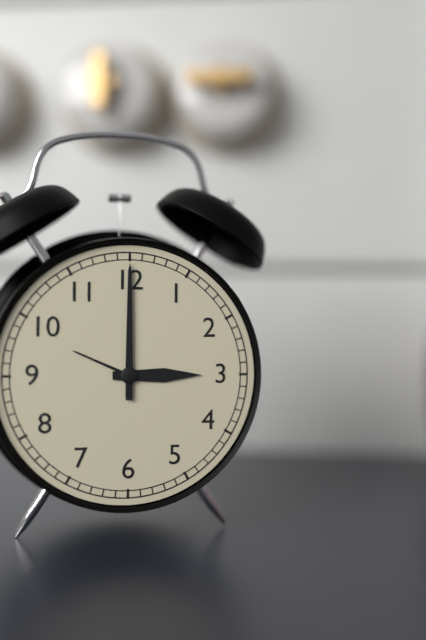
3:00
